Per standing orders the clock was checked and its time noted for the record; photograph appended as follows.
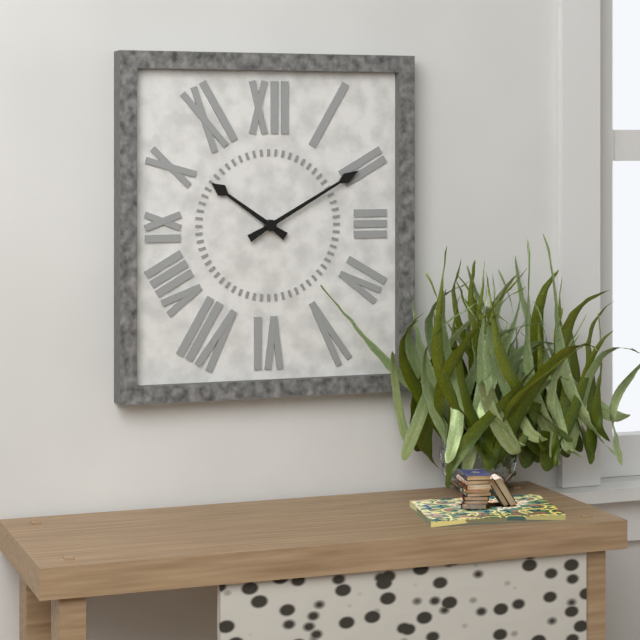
10:10
